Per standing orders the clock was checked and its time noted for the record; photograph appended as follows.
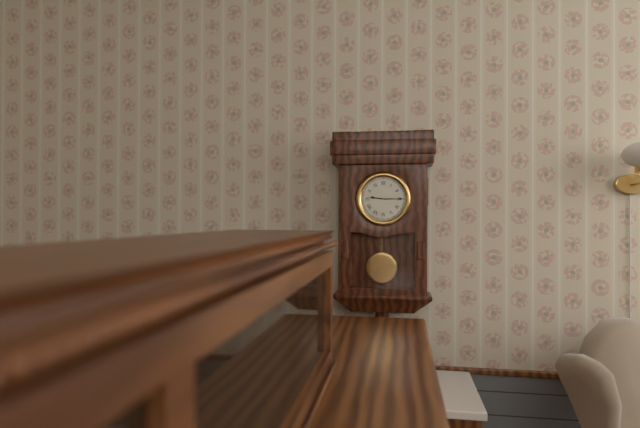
9:15
